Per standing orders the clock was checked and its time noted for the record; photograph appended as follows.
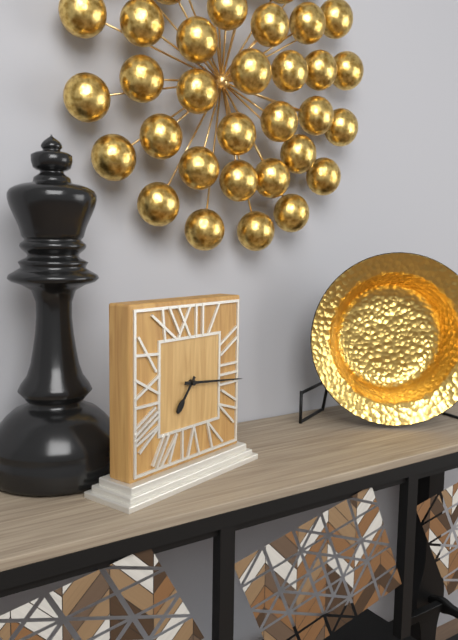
7:16
